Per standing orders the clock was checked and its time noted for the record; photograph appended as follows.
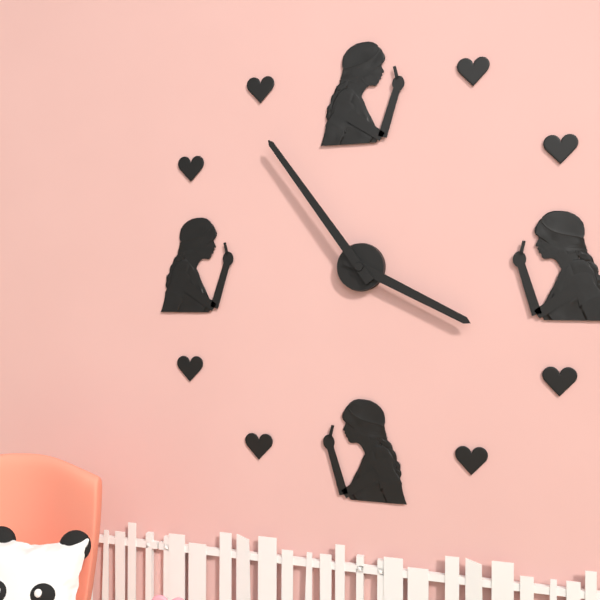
3:54
